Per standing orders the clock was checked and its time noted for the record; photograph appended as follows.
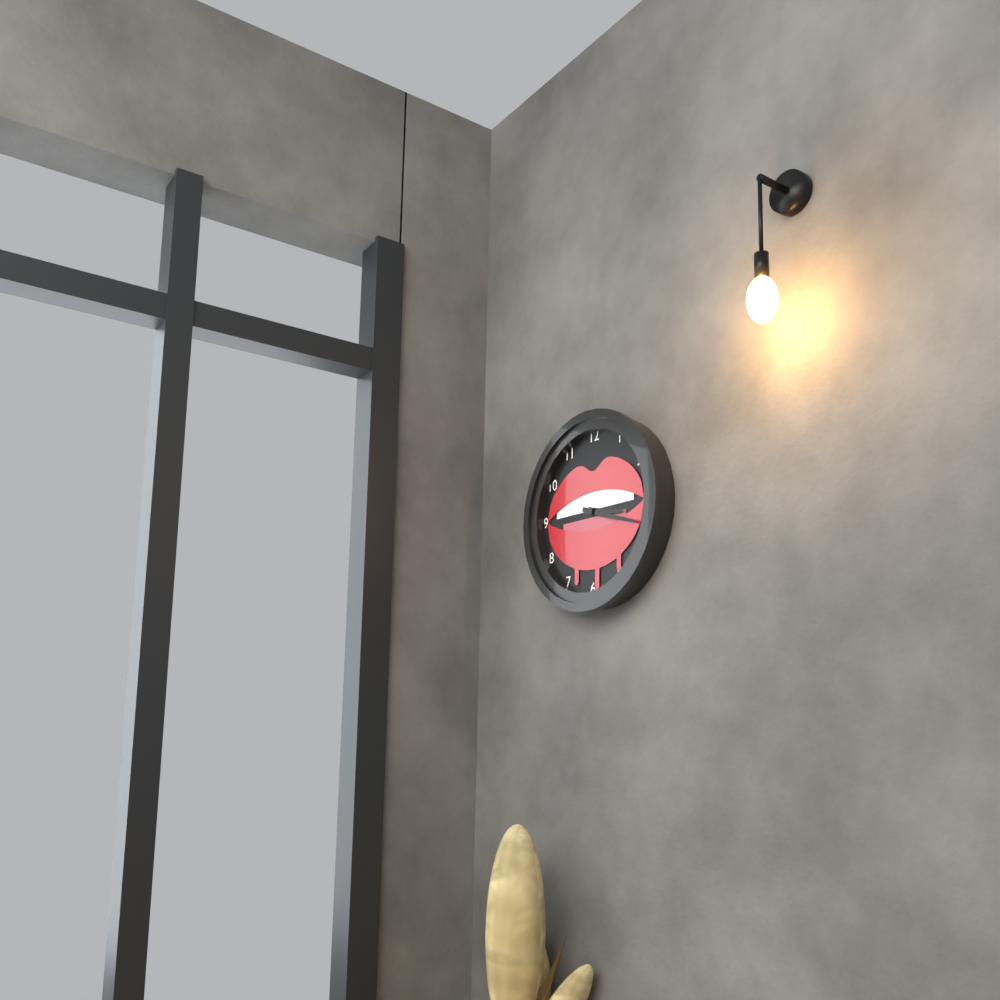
3:18
